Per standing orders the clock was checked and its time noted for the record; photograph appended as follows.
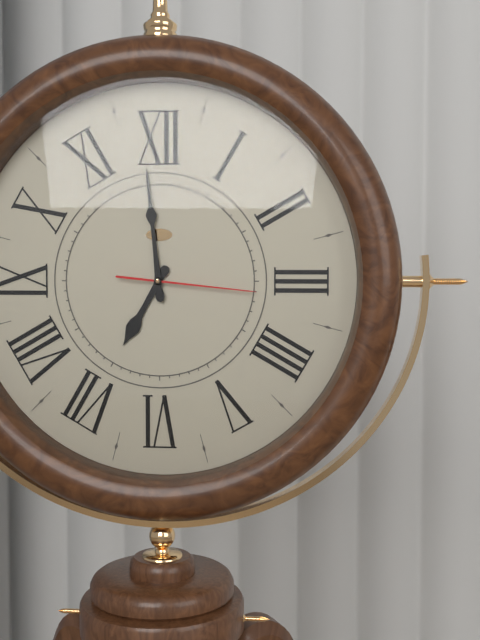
6:59:16
